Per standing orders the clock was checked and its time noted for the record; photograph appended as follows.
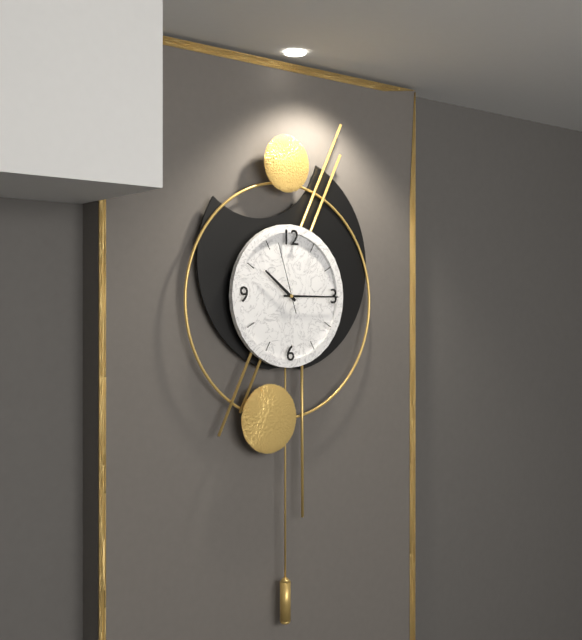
10:15:57
